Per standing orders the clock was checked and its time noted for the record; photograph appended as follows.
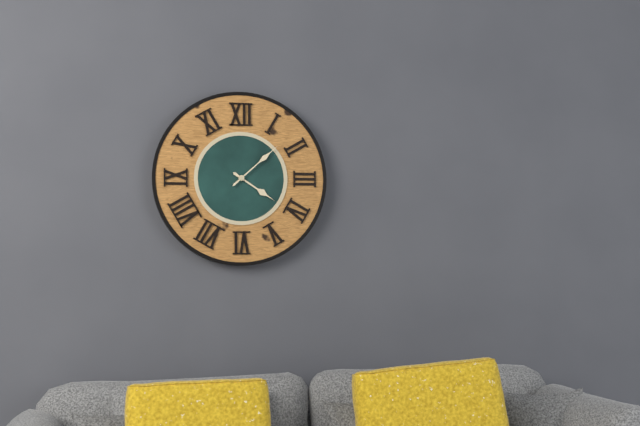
4:08
